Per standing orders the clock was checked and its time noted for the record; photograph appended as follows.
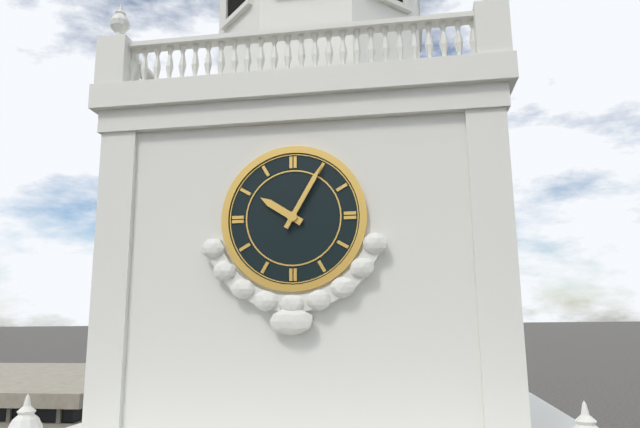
10:05
